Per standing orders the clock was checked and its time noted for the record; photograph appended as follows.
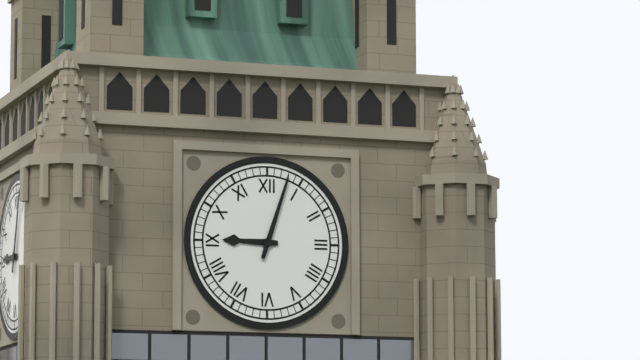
9:03
